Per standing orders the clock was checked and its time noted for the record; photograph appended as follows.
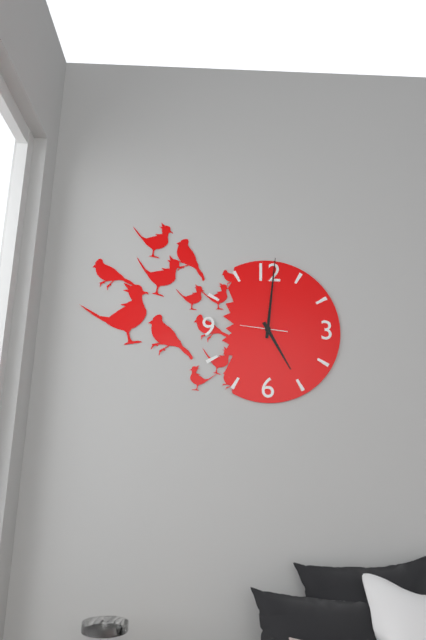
5:01
